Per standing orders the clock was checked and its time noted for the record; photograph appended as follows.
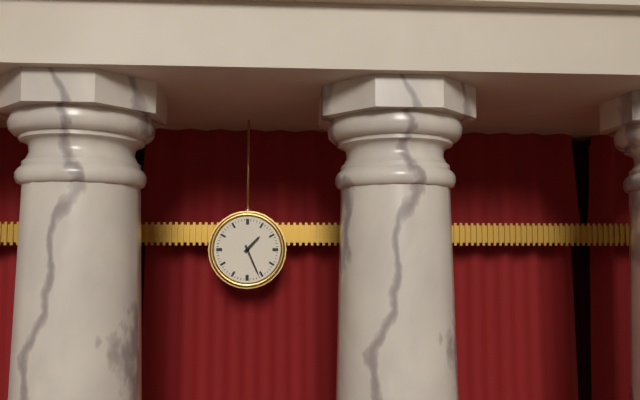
1:26
